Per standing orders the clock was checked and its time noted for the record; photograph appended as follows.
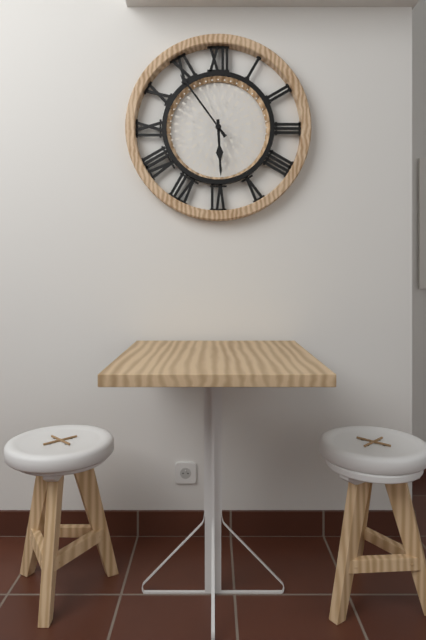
5:54
